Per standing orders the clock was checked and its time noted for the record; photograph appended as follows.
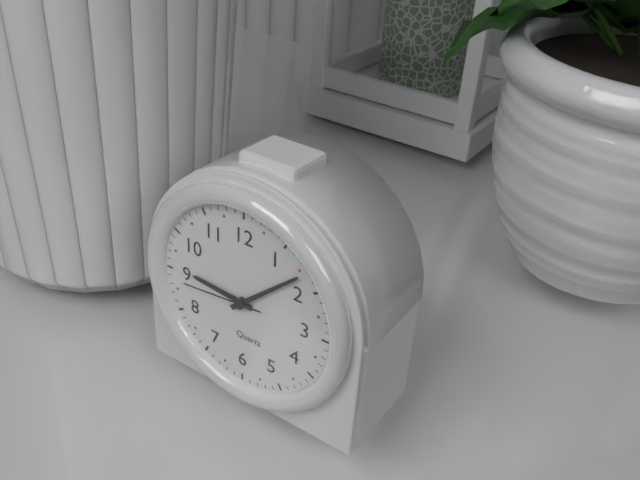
9:08:44
